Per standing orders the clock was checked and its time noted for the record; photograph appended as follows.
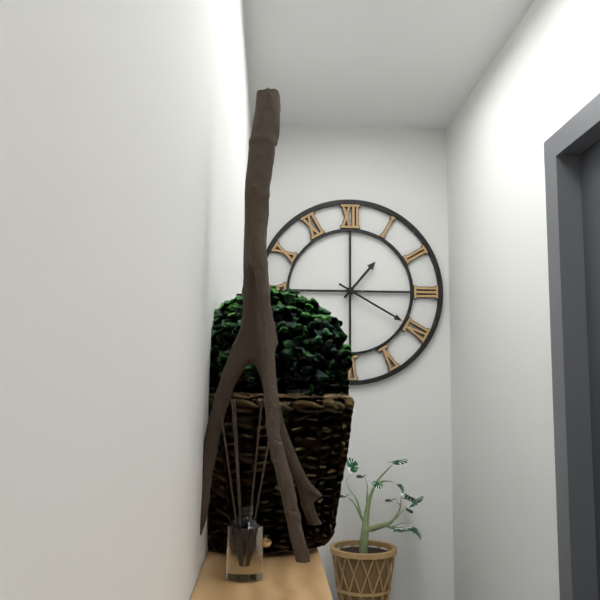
1:20
